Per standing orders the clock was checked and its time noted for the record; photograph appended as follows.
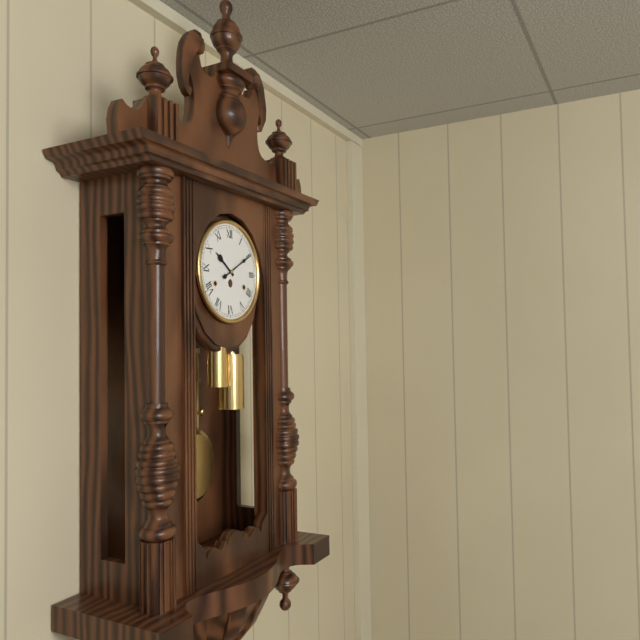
10:10
